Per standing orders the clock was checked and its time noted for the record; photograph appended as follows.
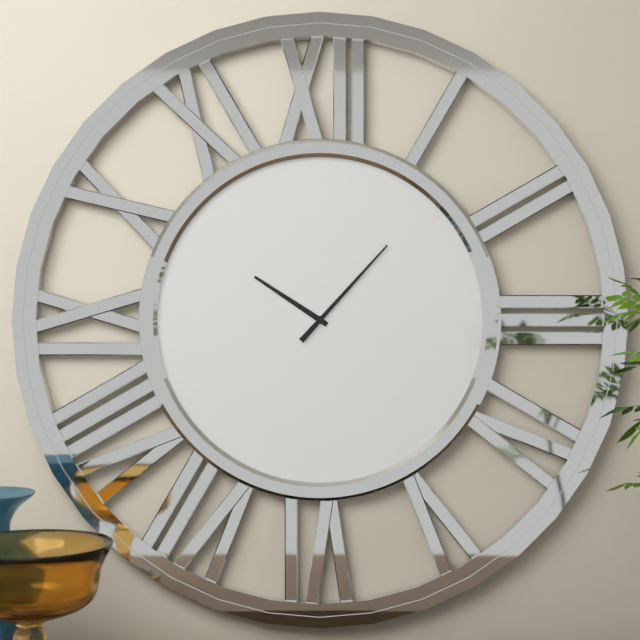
10:07
